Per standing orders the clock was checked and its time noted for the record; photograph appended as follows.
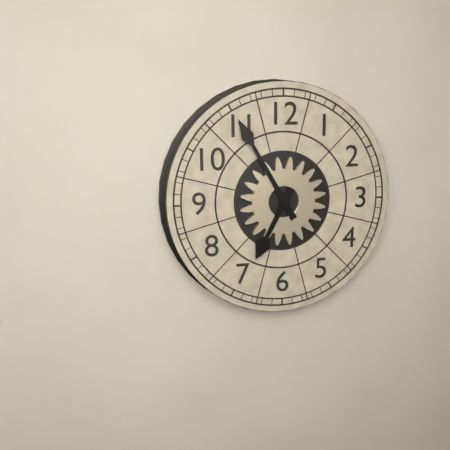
6:55
